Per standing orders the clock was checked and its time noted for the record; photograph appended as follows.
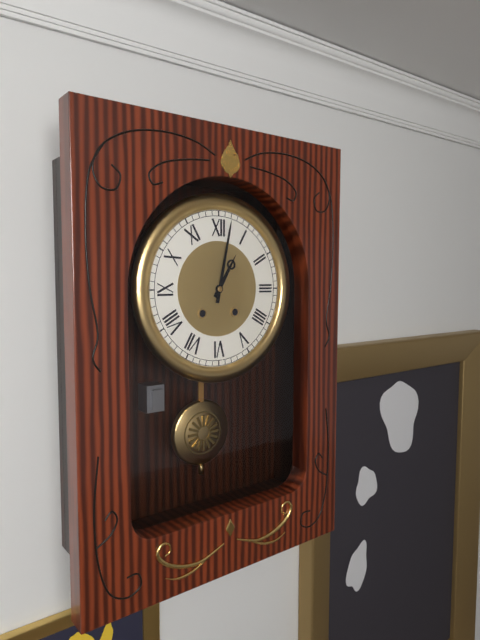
1:02
